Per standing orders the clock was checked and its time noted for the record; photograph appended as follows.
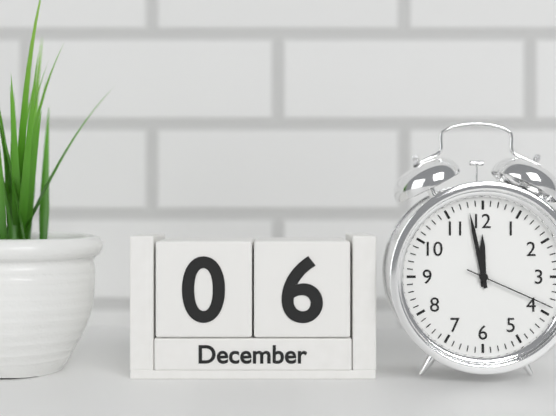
11:58:19
